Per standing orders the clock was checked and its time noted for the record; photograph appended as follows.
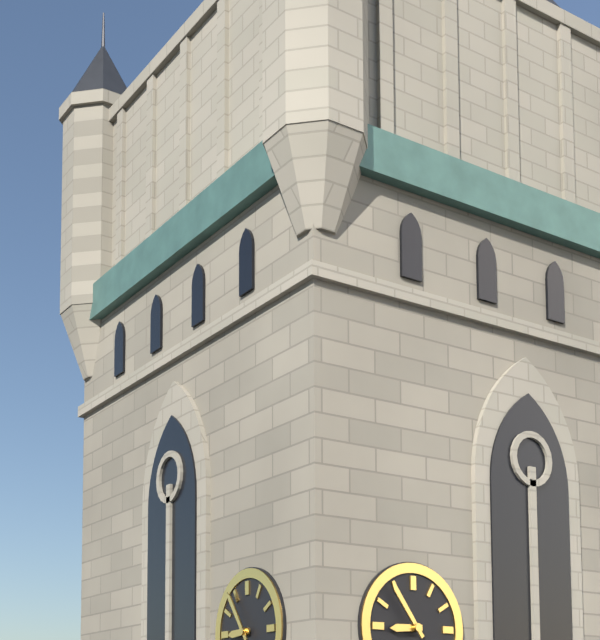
8:54
